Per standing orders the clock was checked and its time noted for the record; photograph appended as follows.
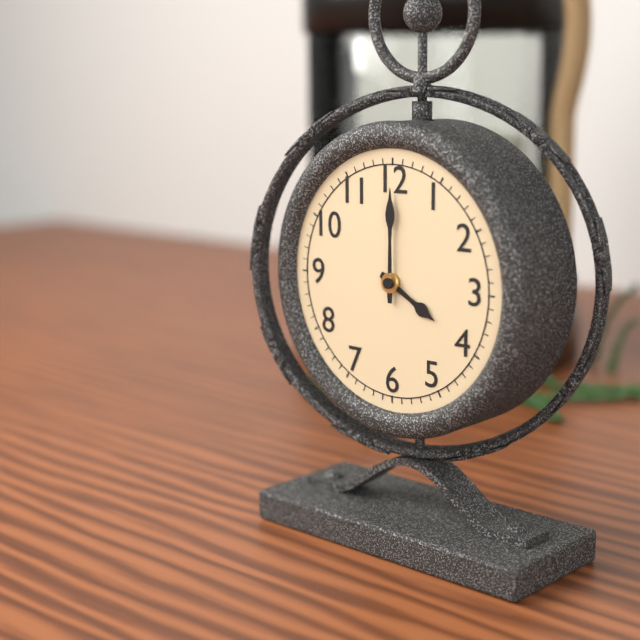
4:00
